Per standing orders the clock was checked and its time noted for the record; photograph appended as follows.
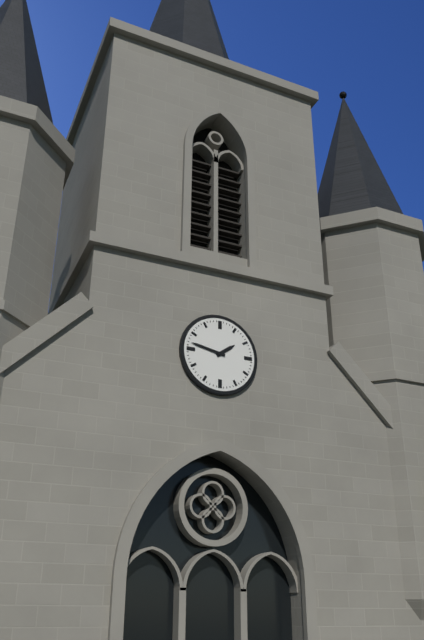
1:47
